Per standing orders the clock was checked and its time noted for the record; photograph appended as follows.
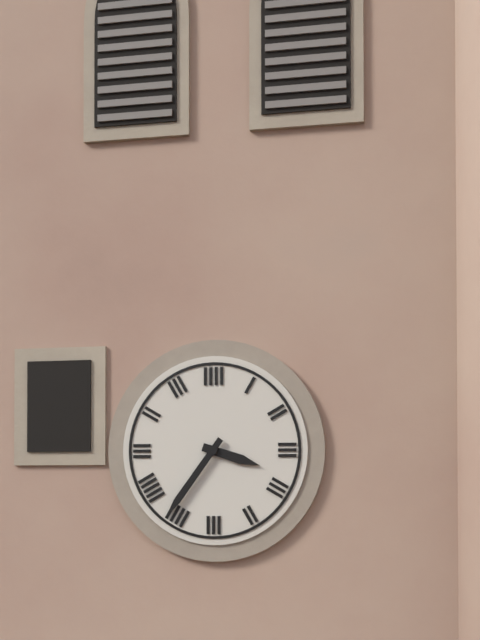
3:36
